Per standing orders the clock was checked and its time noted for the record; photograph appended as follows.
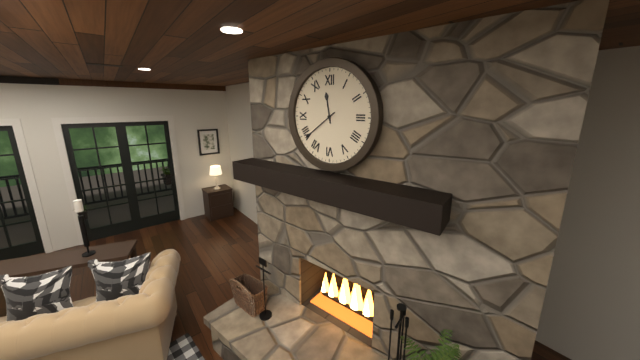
11:39
